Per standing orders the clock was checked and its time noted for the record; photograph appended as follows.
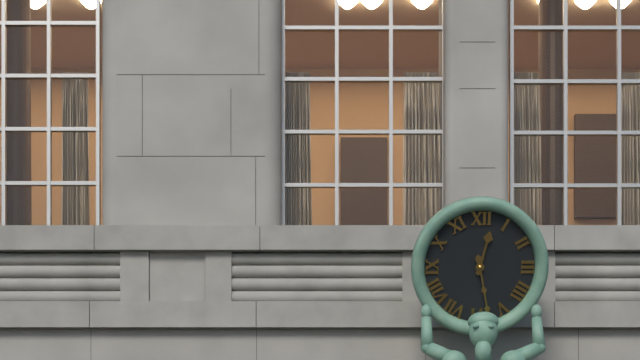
12:28
